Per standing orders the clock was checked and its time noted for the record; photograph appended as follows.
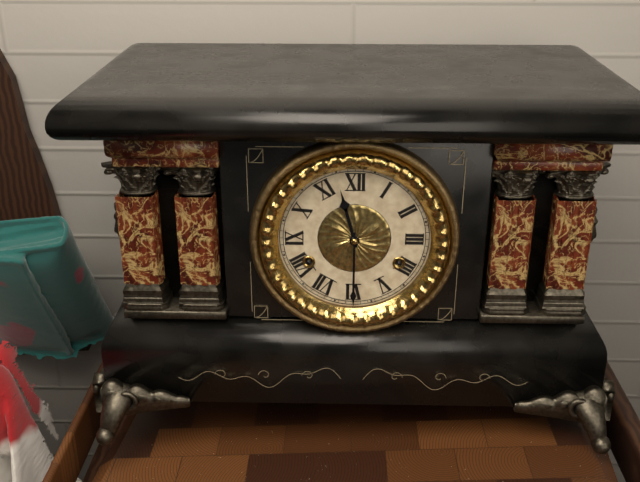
11:30
